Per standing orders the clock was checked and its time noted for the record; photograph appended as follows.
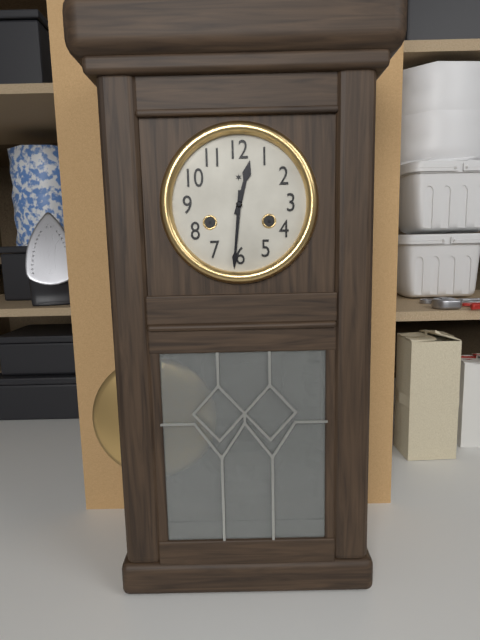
12:31
